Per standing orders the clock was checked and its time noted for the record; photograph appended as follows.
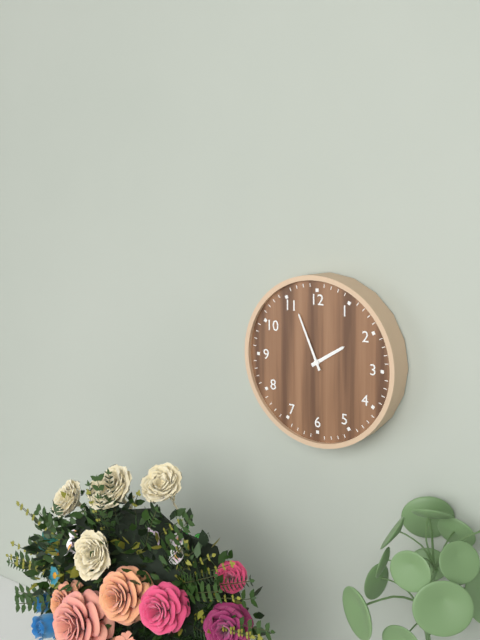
1:56
